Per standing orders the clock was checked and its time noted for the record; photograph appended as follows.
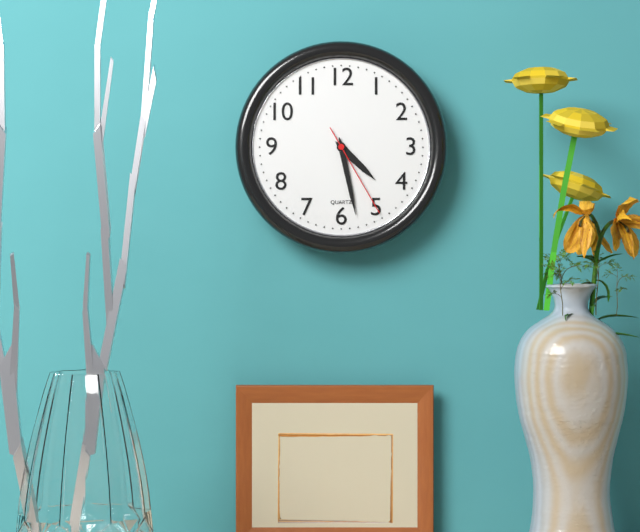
4:28:25
